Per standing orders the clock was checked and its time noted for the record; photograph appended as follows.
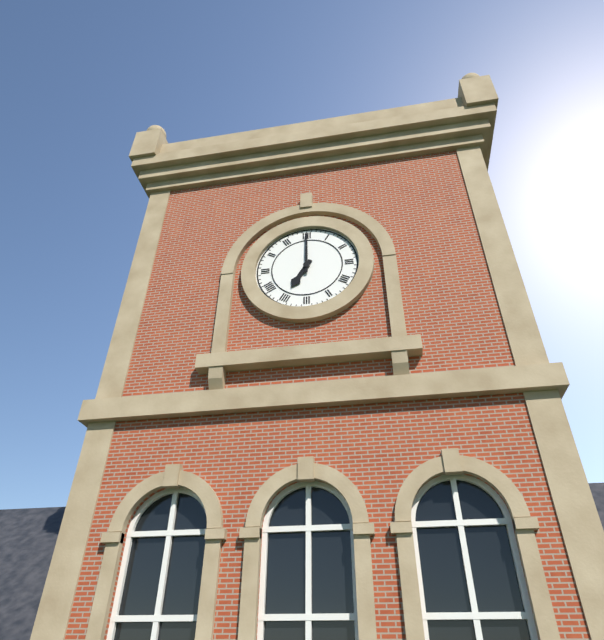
7:00
